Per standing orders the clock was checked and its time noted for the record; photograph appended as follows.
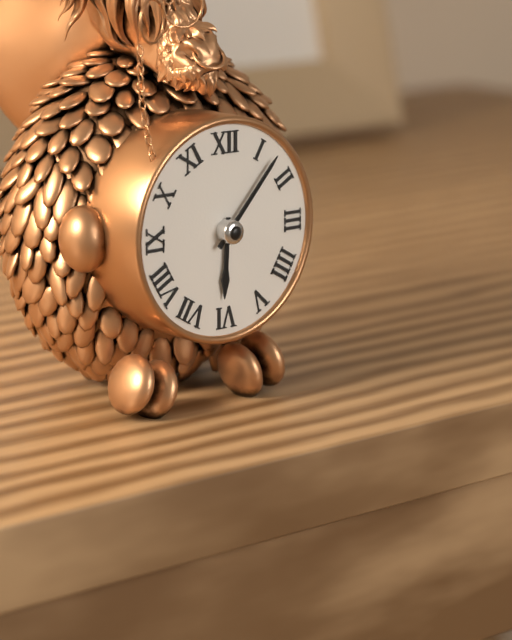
6:07
